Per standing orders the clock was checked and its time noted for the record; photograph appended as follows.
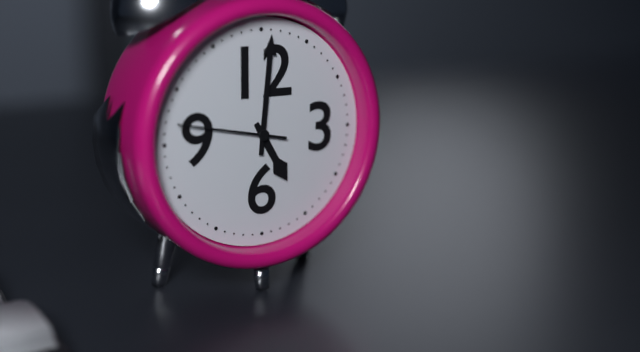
5:01:47
